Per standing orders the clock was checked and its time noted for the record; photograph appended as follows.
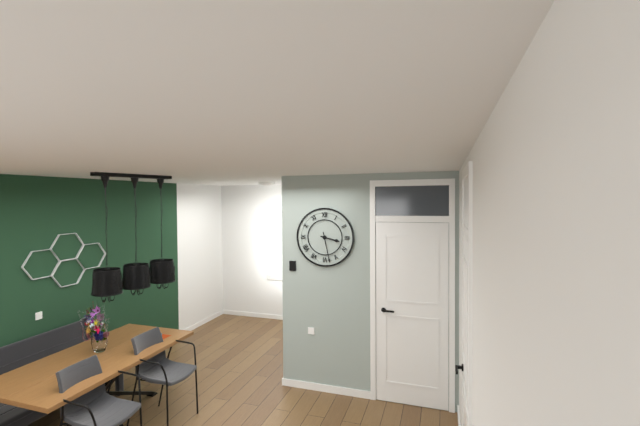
3:28
